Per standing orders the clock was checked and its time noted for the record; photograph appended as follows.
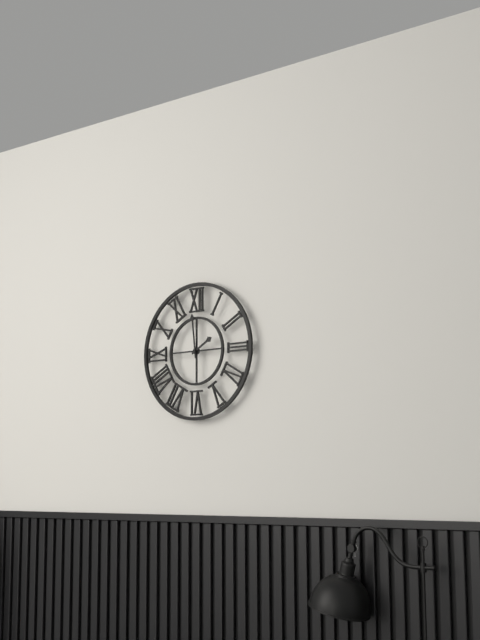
1:59
